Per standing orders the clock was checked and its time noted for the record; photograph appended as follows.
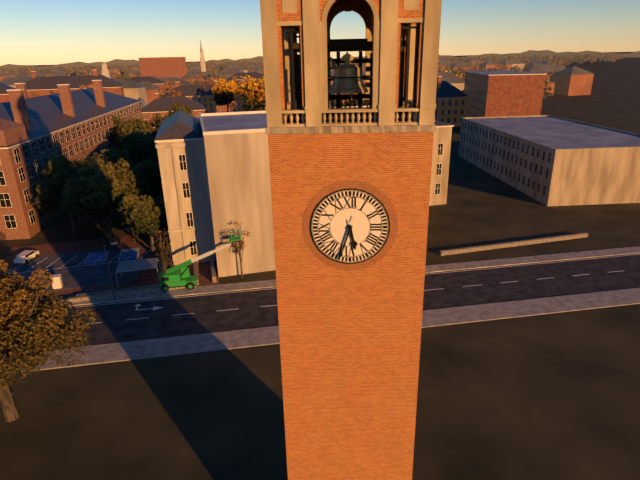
5:33
